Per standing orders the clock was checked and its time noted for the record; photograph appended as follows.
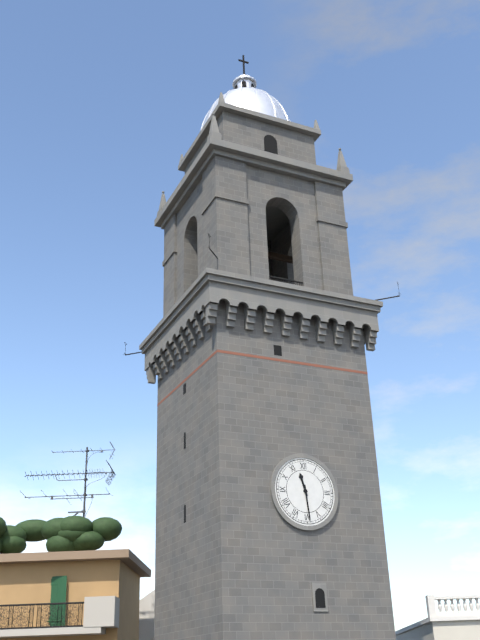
11:29
